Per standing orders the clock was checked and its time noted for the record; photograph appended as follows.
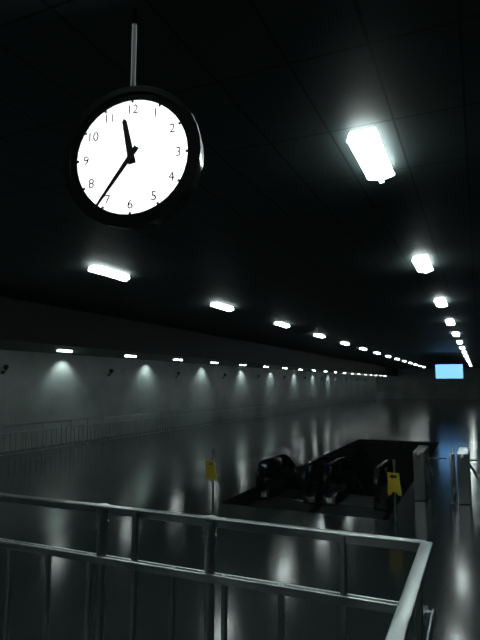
11:36
